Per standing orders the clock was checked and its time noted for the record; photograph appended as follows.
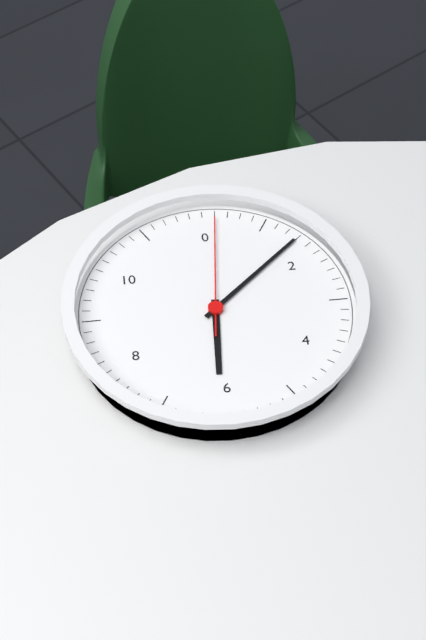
6:08:01
